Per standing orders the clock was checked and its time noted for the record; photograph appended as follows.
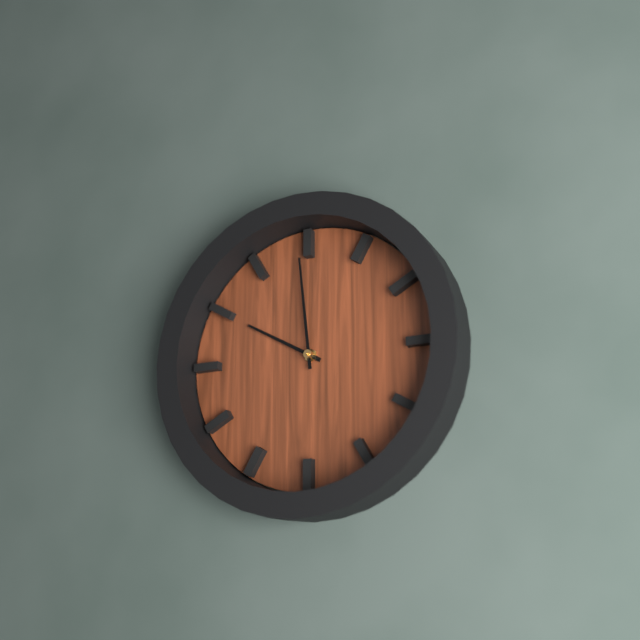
9:59
